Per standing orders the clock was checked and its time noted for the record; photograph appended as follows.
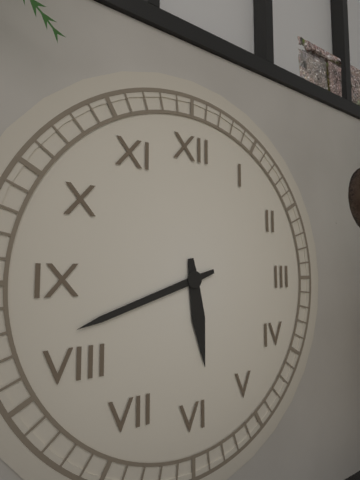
5:42
